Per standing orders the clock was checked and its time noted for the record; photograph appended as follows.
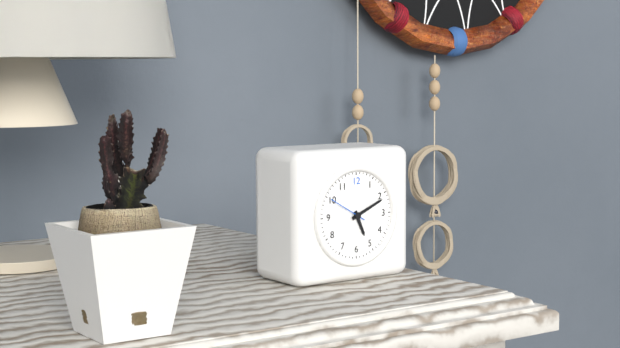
5:11
